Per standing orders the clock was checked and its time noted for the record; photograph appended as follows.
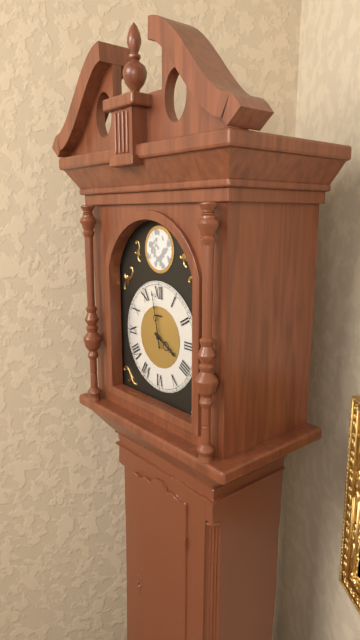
3:58
